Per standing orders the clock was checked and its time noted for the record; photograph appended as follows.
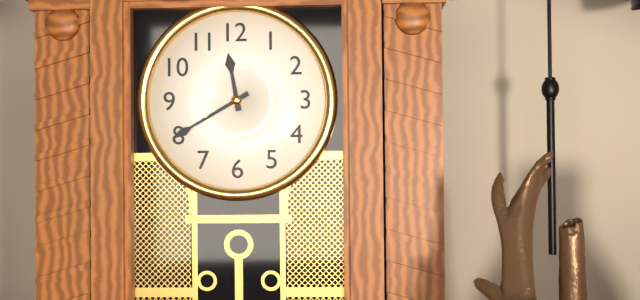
11:40
